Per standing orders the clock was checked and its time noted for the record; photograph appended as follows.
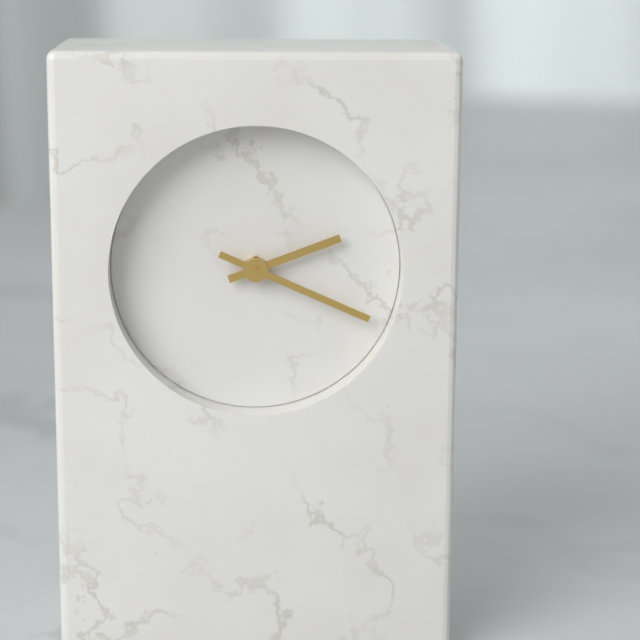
2:19
